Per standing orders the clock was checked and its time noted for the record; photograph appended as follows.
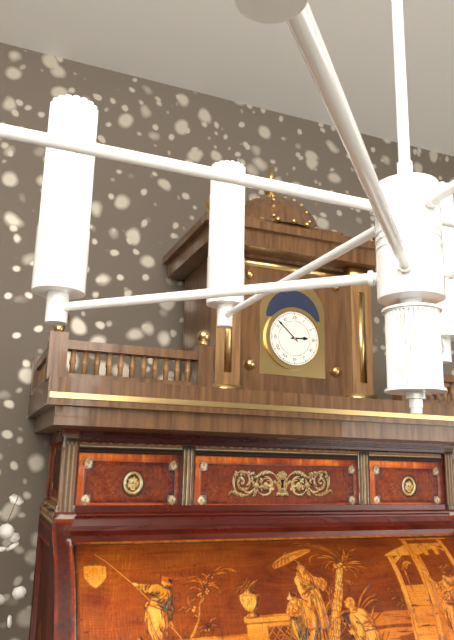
2:52
